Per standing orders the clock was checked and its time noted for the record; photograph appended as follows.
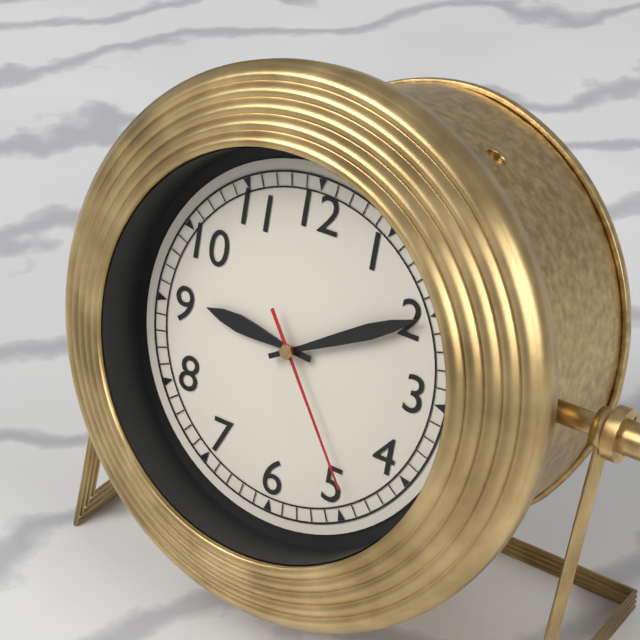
9:10:24
